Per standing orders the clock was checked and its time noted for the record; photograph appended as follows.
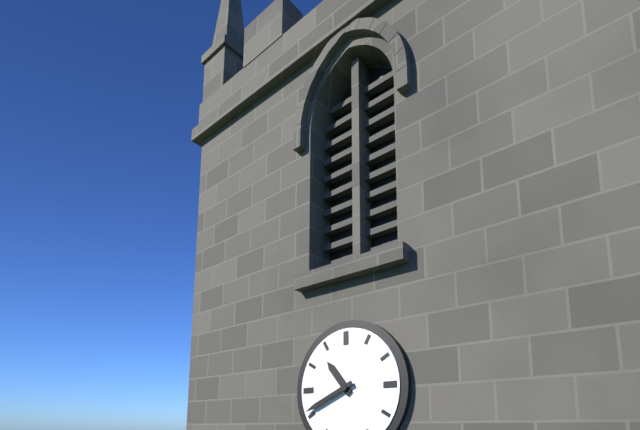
10:41
